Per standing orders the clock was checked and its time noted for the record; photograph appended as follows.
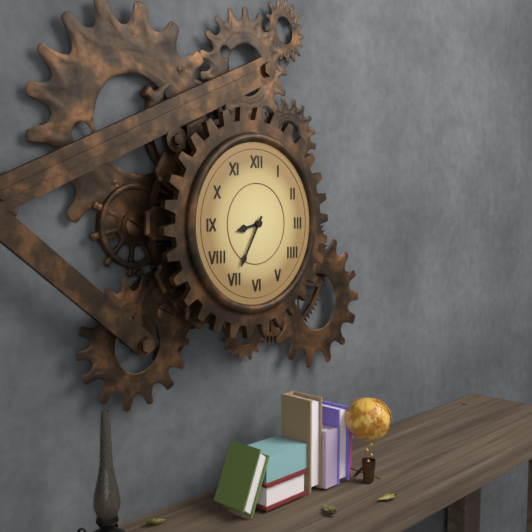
8:35
